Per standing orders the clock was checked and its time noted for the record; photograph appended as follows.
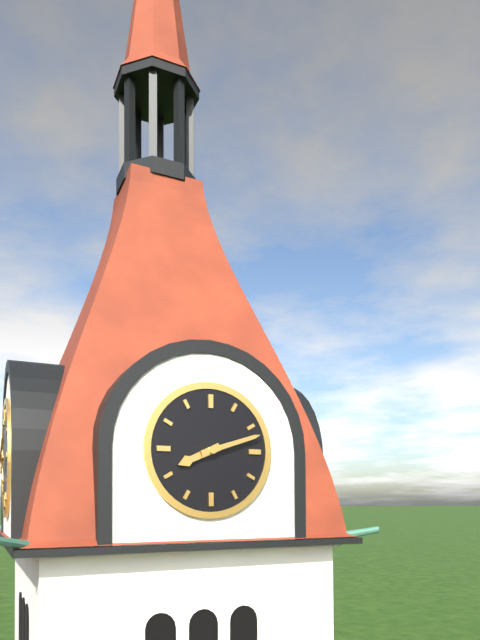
8:12
